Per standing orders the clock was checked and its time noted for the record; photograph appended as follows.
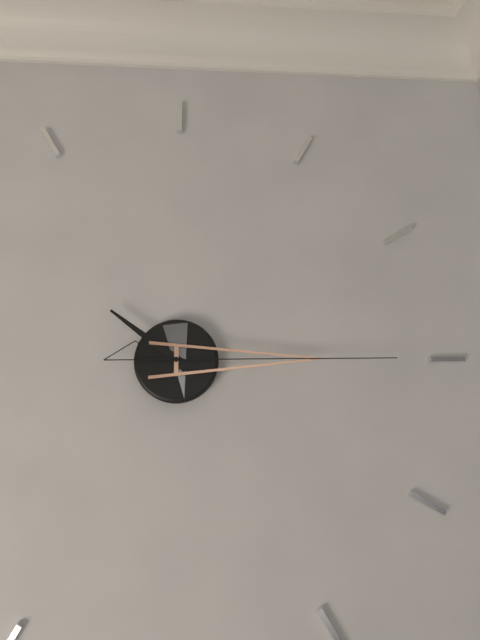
10:15:15
